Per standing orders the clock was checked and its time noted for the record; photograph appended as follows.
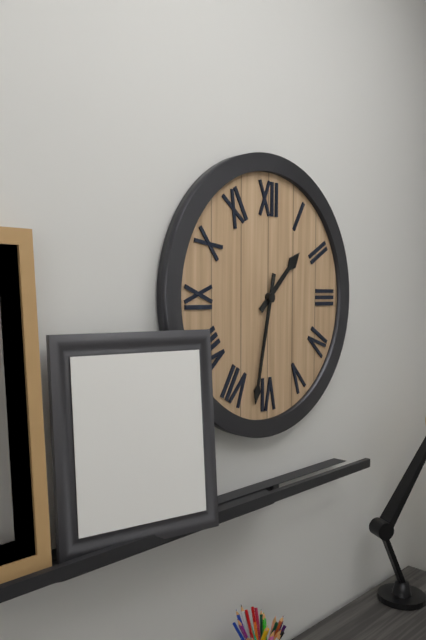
1:32
